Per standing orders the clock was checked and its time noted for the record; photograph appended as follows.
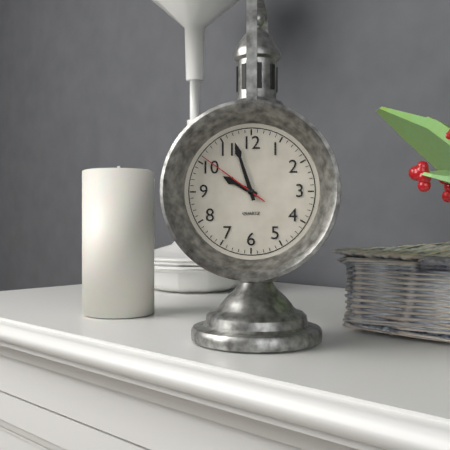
9:57:51
